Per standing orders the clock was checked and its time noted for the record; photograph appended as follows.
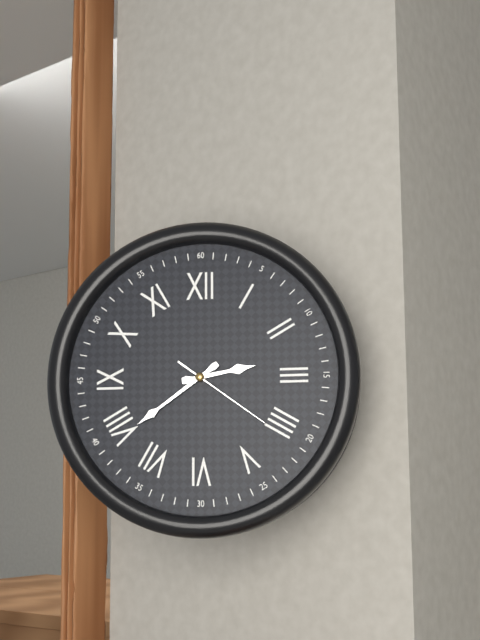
2:39:21
